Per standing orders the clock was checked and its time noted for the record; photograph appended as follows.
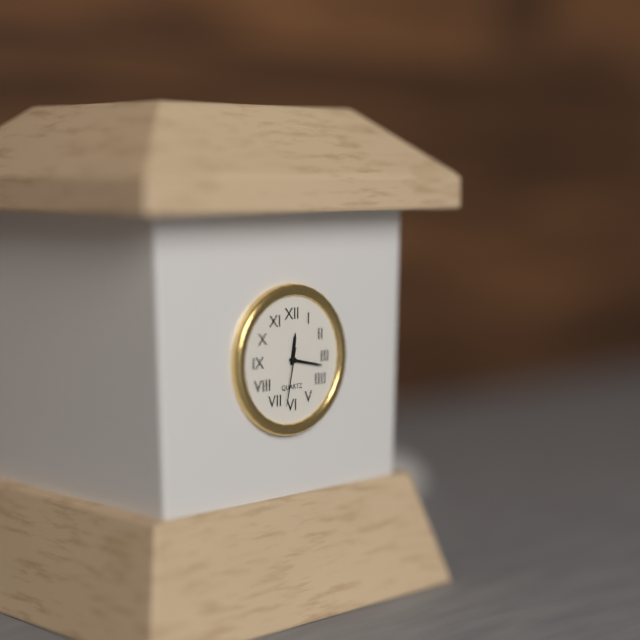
12:17:32
